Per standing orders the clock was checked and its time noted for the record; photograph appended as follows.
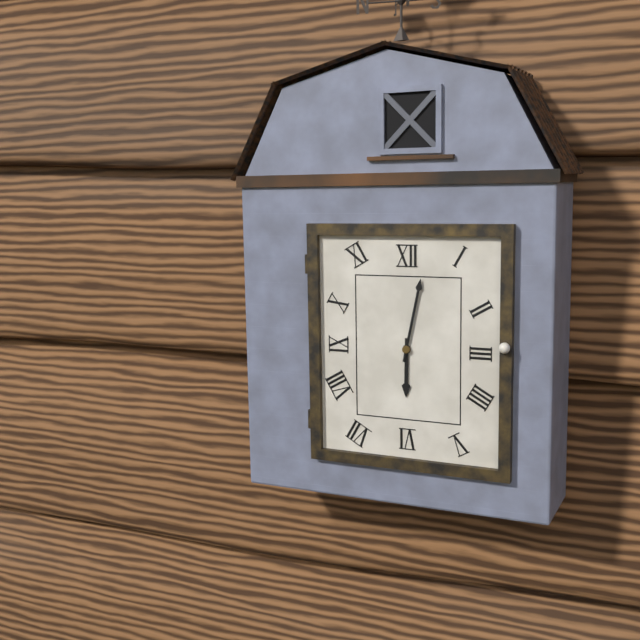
6:02
